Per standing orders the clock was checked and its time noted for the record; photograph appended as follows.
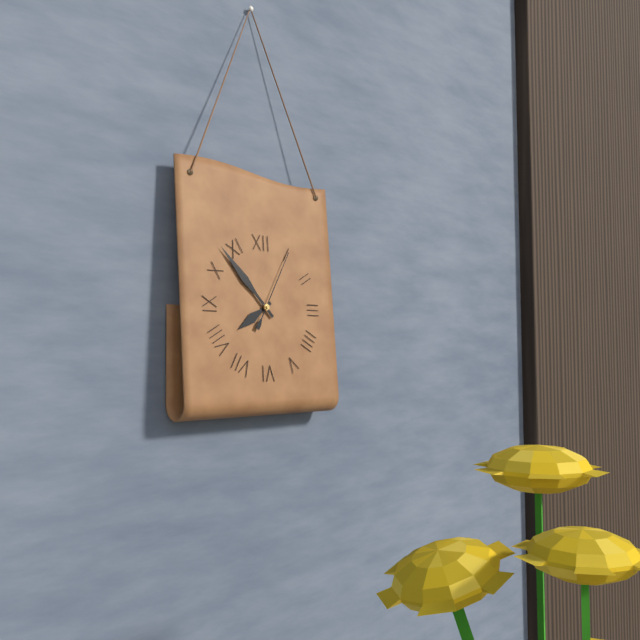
7:53:05
